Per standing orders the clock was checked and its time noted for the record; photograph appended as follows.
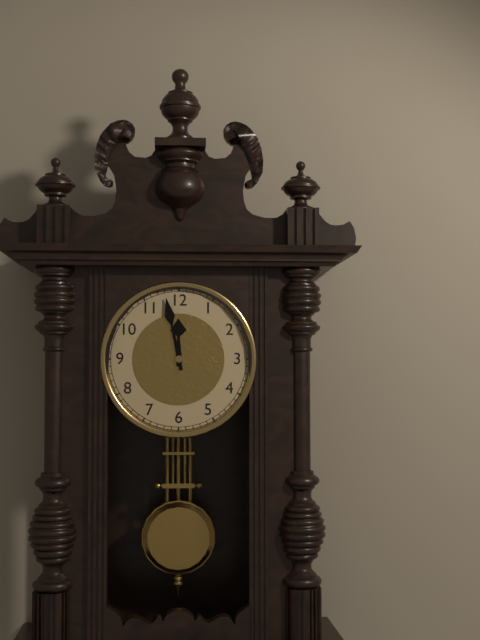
11:58
